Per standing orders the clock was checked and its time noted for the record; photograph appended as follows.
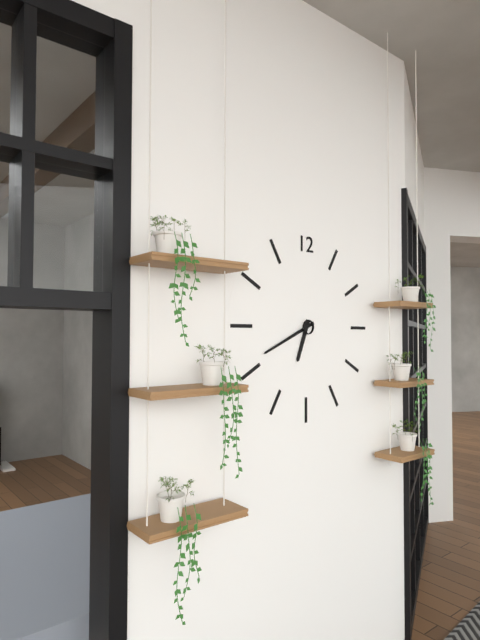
6:41
